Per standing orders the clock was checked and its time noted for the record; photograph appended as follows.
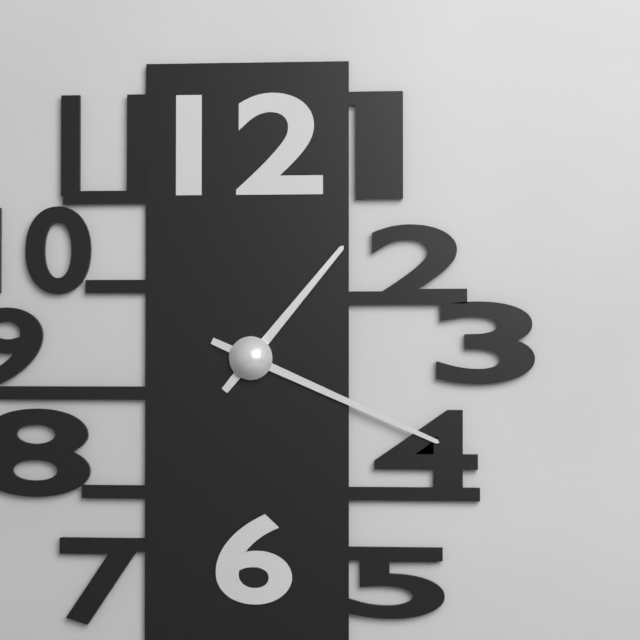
1:19
